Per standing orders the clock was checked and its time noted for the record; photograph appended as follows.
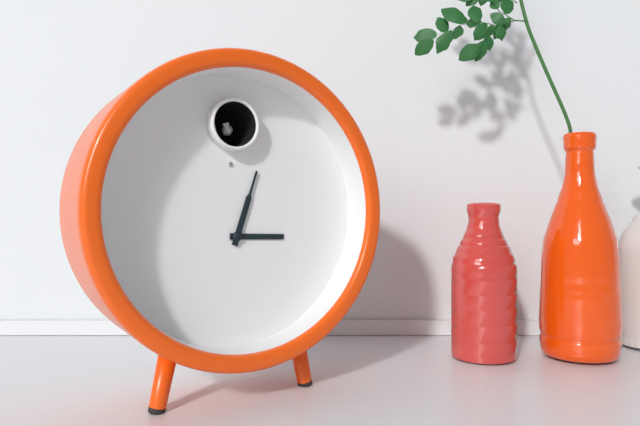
3:03
